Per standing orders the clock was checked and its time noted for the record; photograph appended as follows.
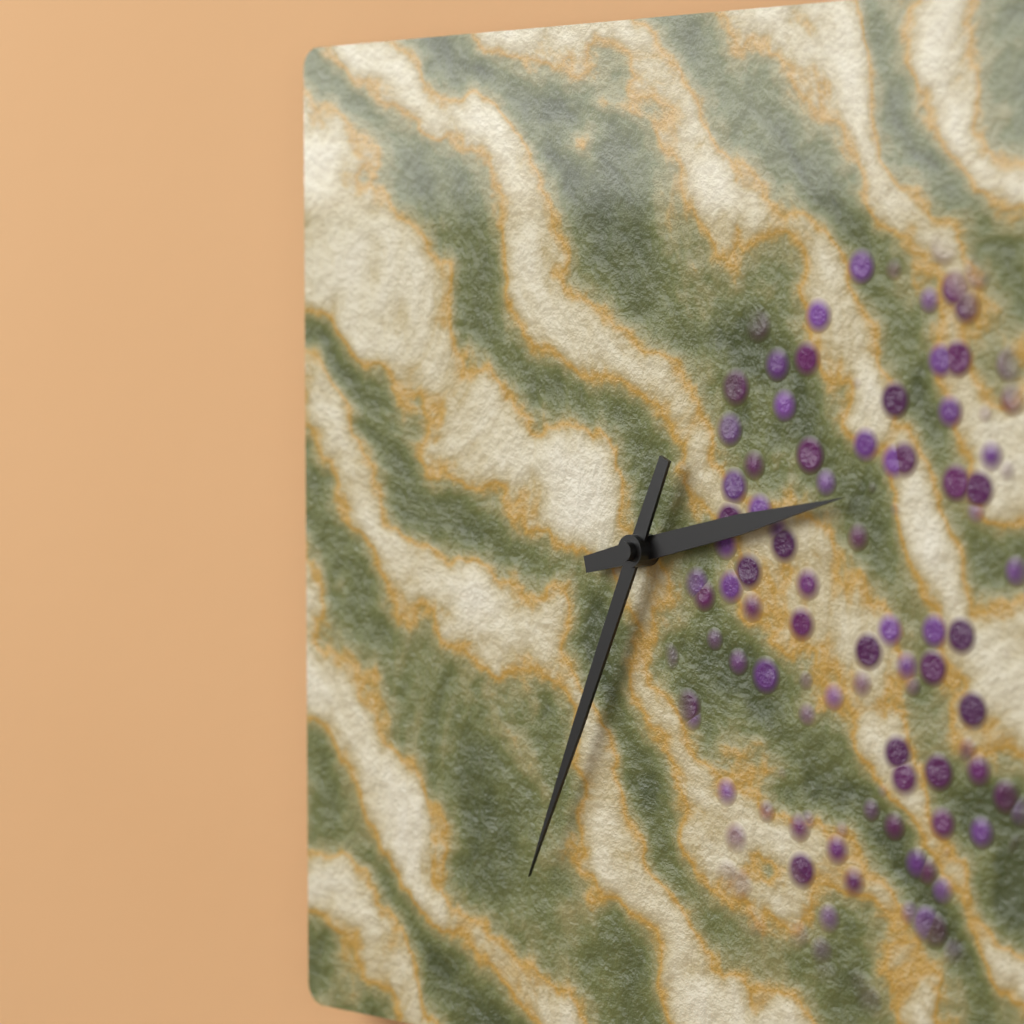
2:34
